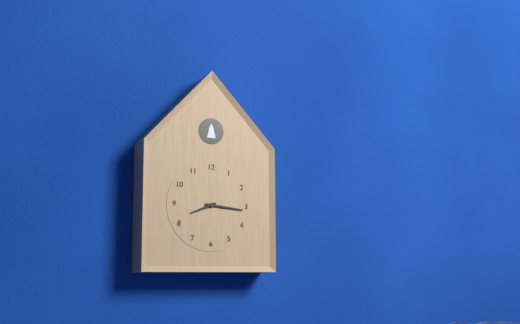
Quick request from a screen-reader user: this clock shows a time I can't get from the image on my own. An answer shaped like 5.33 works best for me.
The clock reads 8.16
